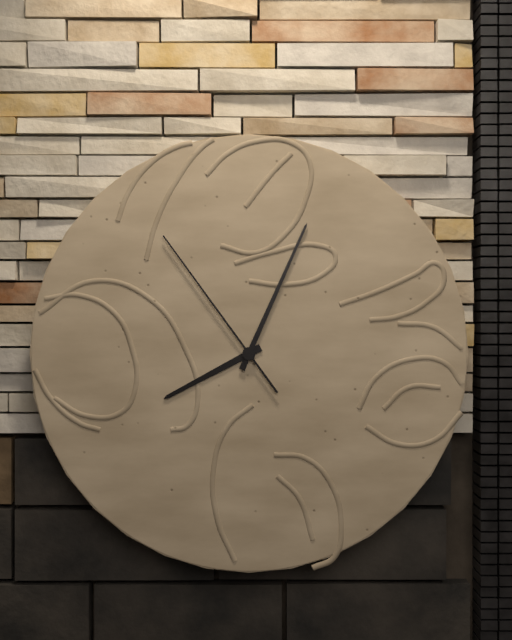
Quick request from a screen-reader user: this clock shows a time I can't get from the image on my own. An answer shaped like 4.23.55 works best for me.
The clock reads 8.04.54
